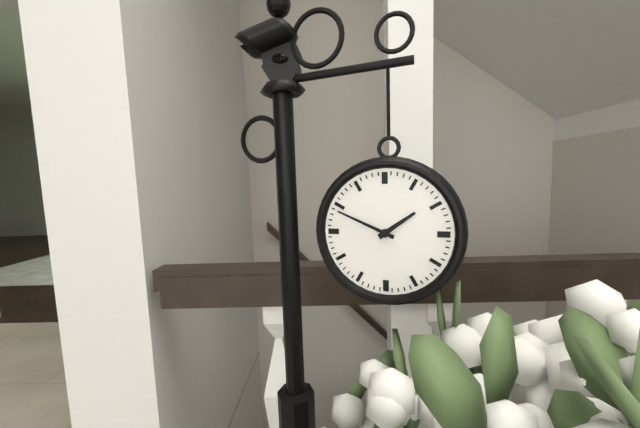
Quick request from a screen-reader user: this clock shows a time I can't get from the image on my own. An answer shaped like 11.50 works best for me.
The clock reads 1.49
